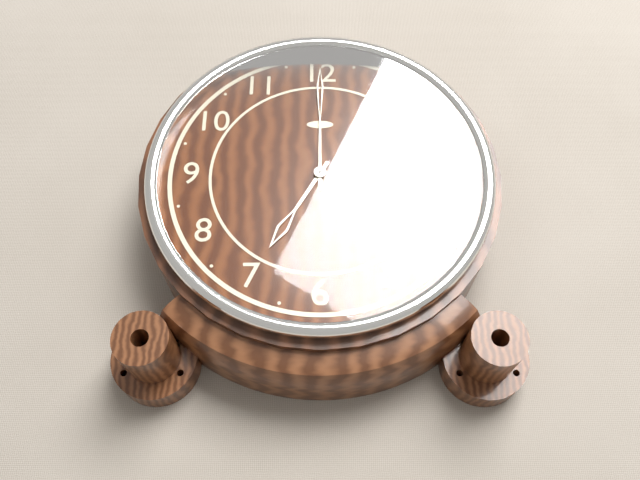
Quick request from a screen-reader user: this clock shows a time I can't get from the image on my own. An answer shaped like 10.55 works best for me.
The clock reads 7.00
